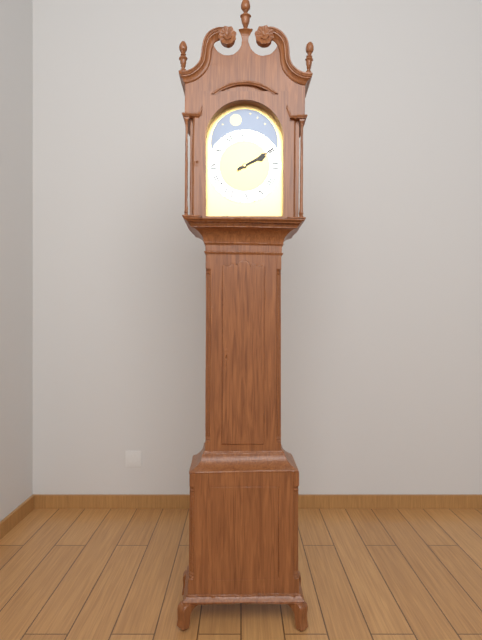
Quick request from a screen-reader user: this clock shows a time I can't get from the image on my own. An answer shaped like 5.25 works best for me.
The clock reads 2.10
